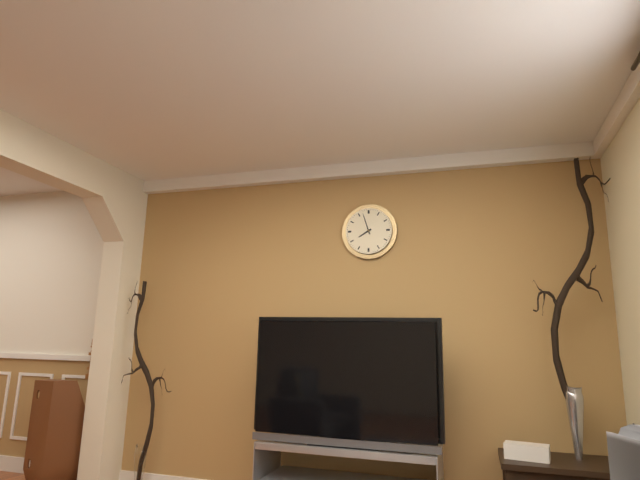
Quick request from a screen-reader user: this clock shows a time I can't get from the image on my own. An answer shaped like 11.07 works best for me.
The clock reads 7.57
